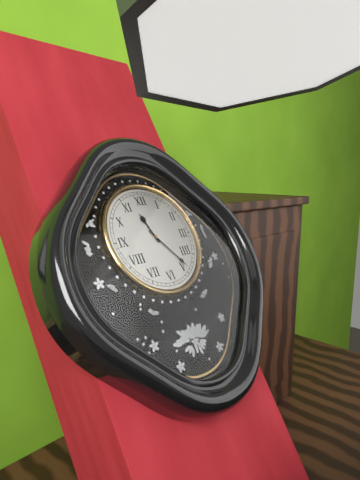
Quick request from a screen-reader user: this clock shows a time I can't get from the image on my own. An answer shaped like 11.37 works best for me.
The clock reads 11.24
